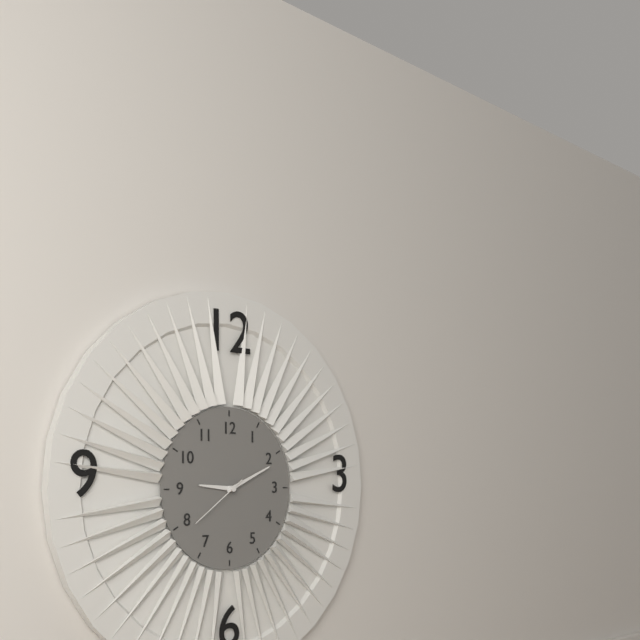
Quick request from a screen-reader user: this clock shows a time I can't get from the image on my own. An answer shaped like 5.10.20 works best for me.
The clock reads 9.11.39
